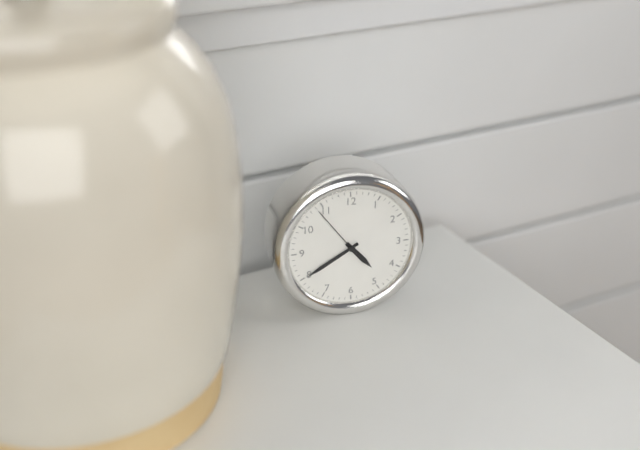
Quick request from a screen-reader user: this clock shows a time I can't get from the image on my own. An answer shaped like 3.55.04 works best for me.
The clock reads 4.40.54
